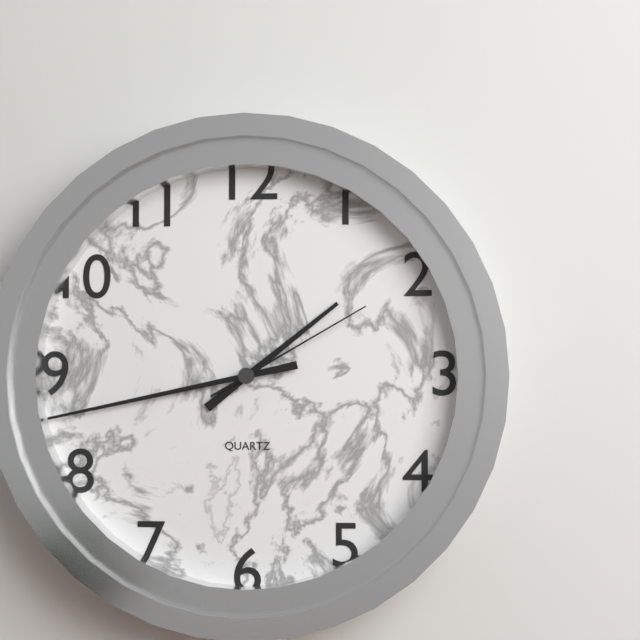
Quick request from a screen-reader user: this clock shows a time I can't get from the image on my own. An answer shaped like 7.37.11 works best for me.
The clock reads 1.43.10
